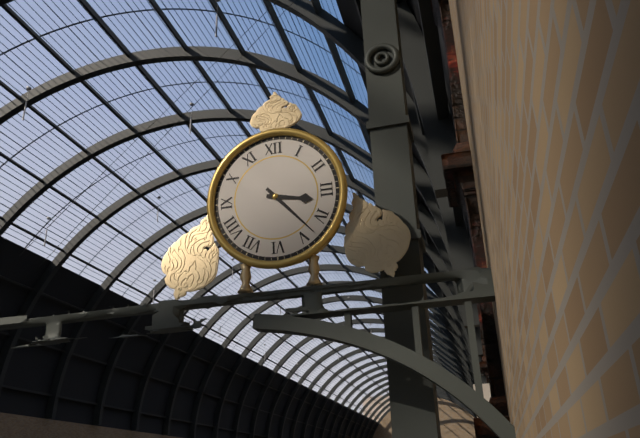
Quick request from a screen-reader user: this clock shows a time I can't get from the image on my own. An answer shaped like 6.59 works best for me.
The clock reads 3.23
